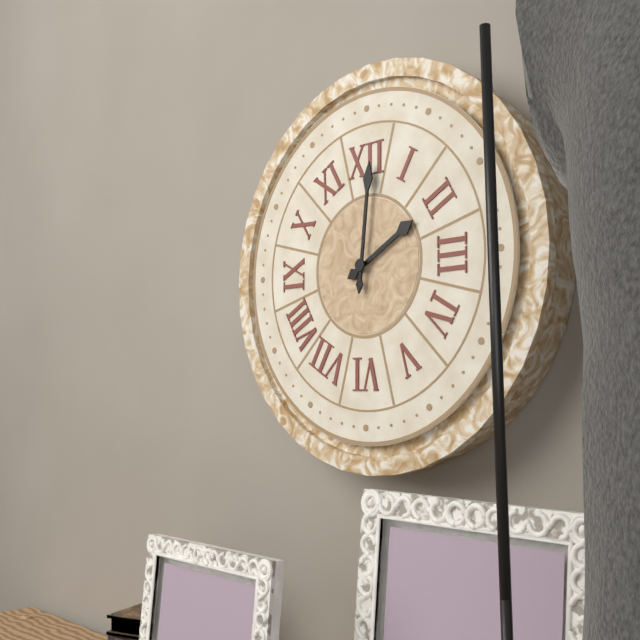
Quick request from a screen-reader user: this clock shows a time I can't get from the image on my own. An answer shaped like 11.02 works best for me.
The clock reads 2.01
